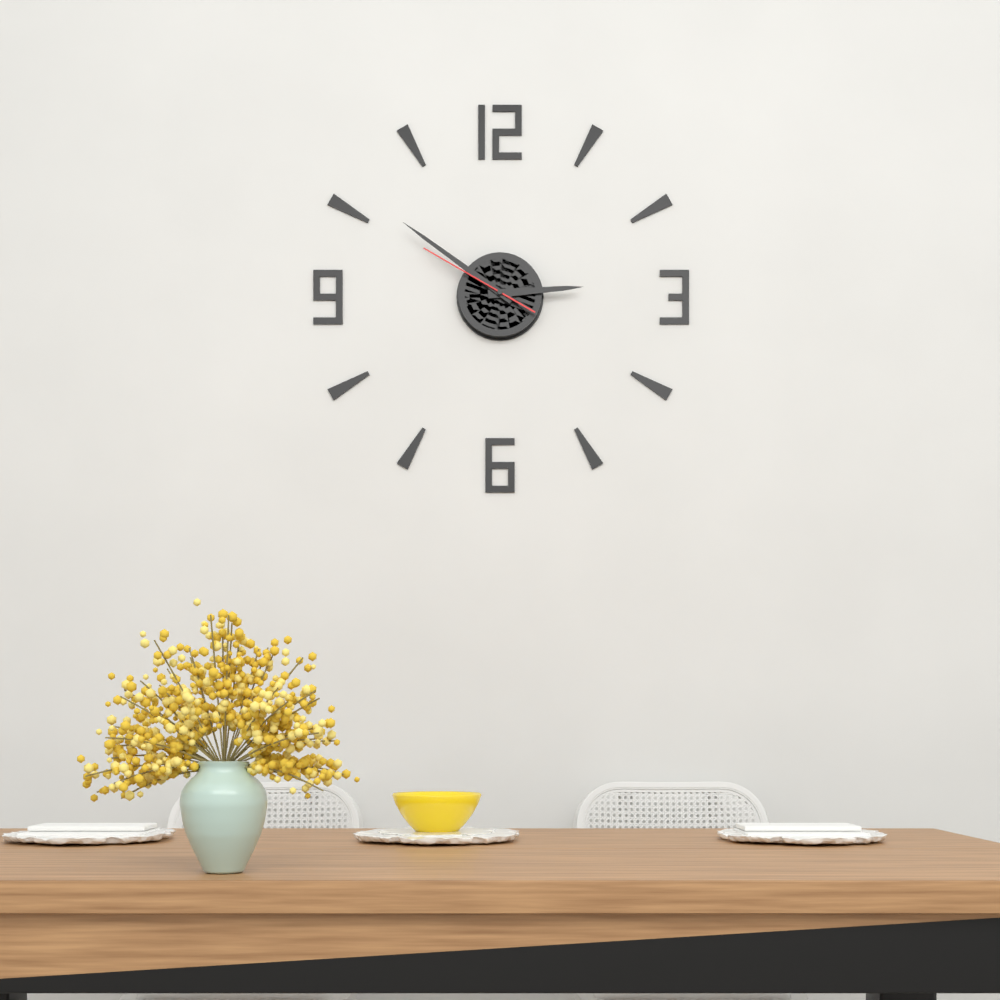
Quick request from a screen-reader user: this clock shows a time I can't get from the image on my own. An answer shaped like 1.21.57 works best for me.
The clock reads 2.51.50
